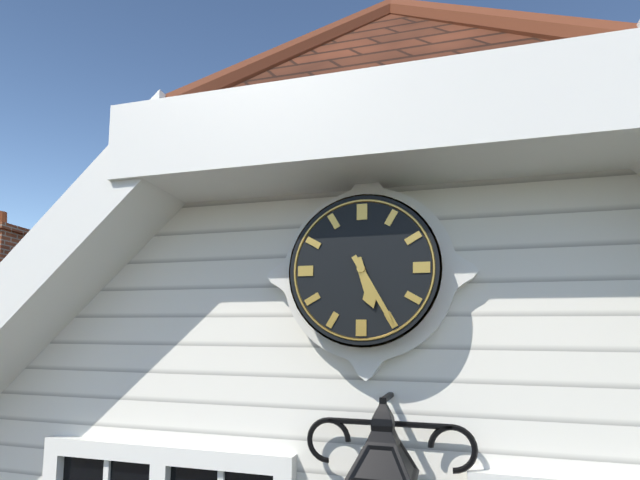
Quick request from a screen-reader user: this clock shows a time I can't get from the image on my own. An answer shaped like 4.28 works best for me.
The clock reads 5.25
